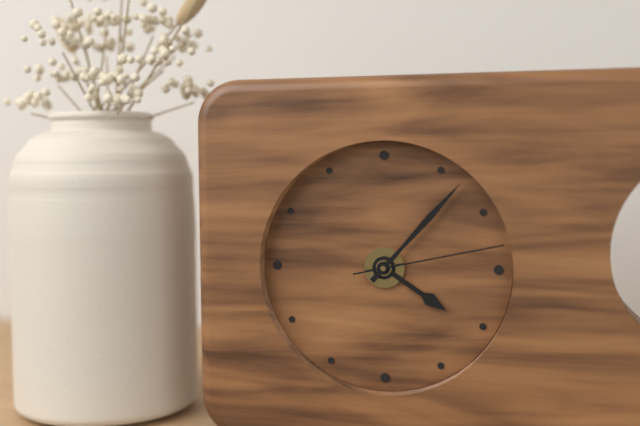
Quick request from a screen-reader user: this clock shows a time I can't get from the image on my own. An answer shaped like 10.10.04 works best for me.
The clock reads 4.07.13
